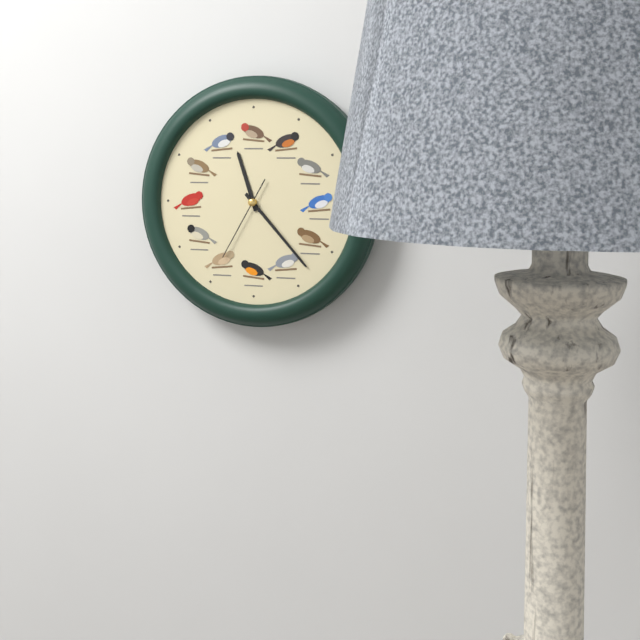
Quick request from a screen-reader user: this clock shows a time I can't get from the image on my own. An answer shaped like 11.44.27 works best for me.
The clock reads 11.23.35
